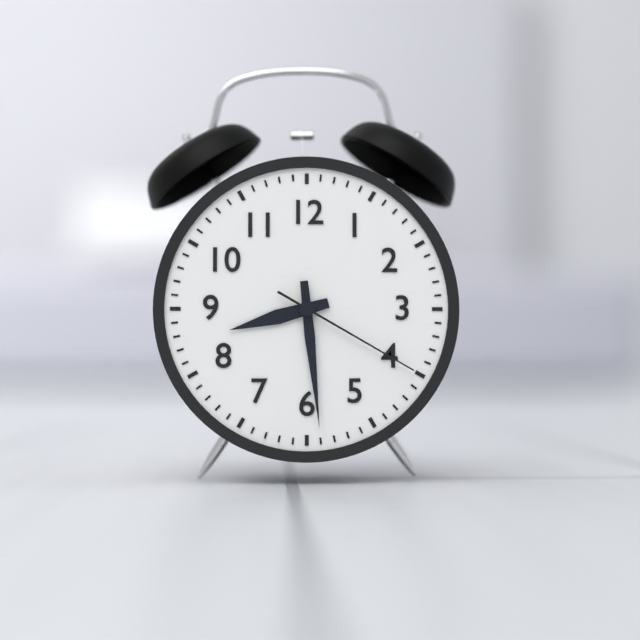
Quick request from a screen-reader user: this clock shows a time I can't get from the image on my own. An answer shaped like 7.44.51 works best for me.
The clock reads 8.29.20
